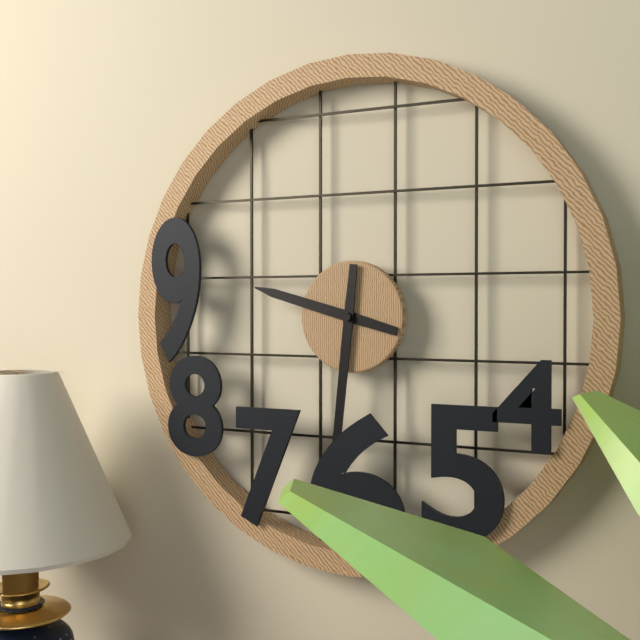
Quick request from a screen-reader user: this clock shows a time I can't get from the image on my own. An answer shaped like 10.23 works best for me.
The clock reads 9.31
